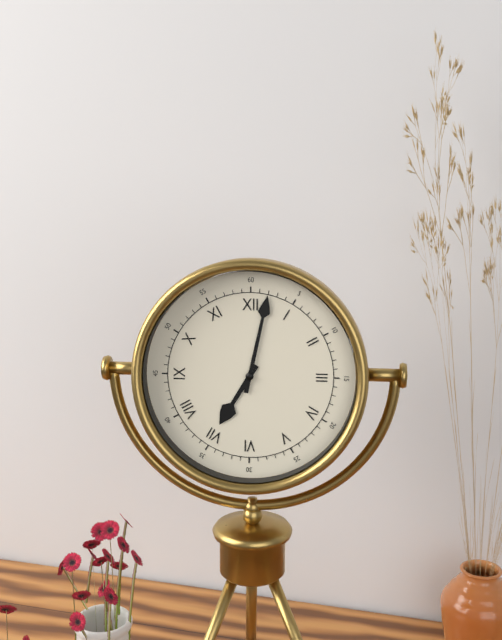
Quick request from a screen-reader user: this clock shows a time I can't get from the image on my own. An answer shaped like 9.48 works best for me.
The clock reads 7.02
